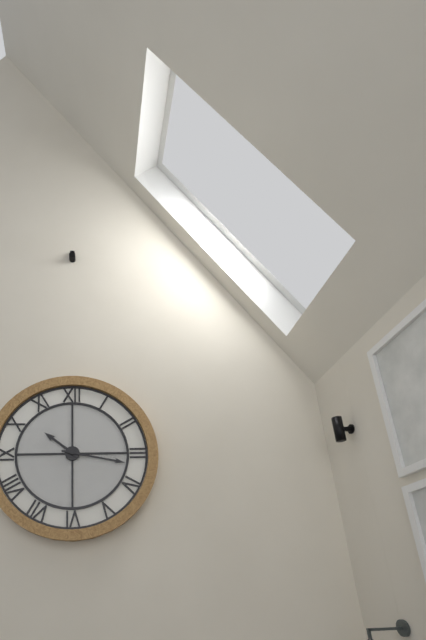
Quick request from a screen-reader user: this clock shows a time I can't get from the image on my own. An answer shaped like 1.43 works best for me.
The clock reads 10.17
